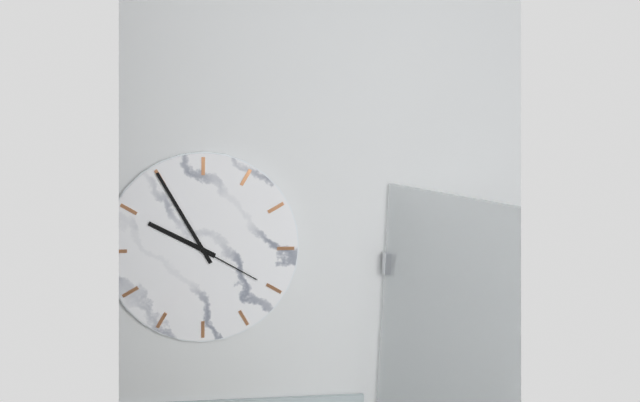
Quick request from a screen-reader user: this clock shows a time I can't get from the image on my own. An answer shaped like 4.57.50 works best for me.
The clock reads 9.55.20
